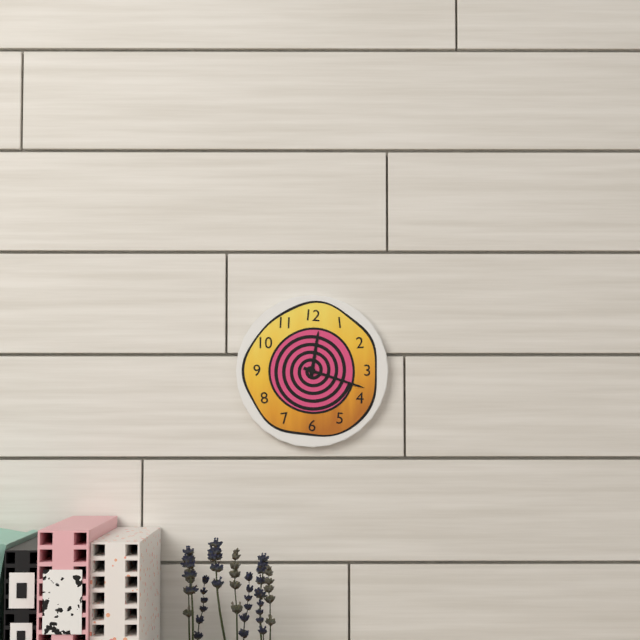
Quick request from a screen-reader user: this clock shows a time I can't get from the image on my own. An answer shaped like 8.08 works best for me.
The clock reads 12.18
